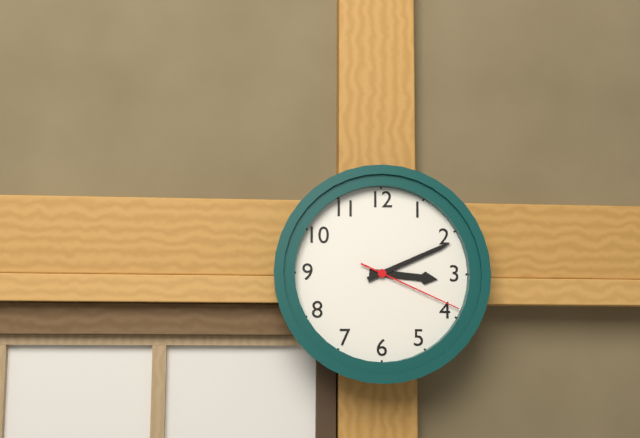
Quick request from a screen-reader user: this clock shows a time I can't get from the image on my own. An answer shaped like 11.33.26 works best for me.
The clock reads 3.11.19
